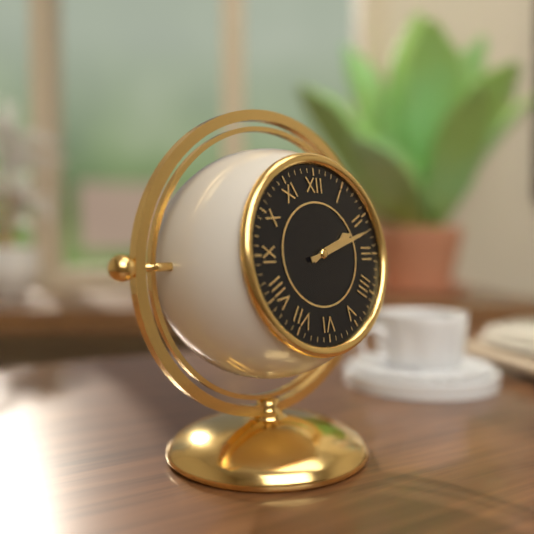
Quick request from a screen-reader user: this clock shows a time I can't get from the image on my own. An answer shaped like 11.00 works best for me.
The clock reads 2.12
